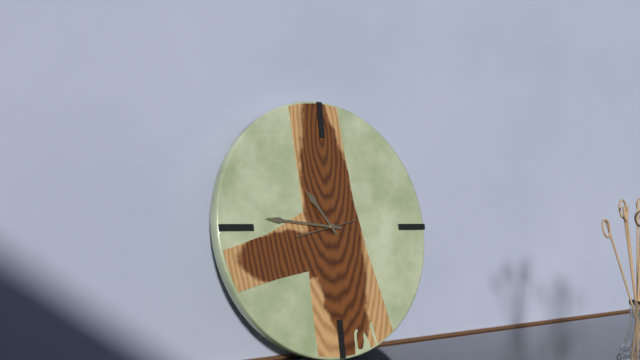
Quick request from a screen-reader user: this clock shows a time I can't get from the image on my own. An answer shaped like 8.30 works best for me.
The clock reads 10.46
